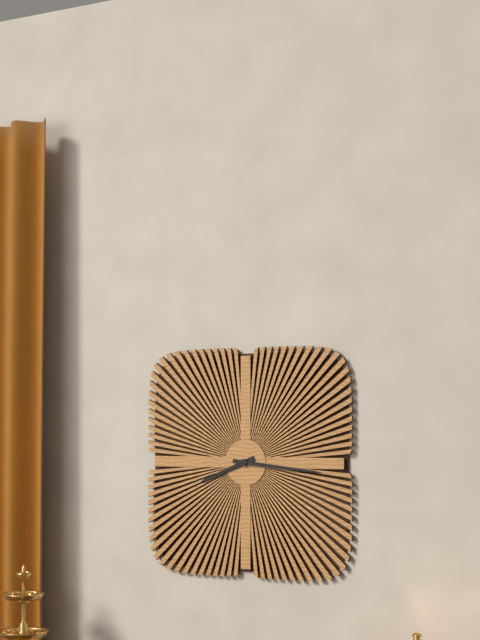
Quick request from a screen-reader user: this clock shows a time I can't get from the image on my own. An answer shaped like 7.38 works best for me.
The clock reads 8.16
